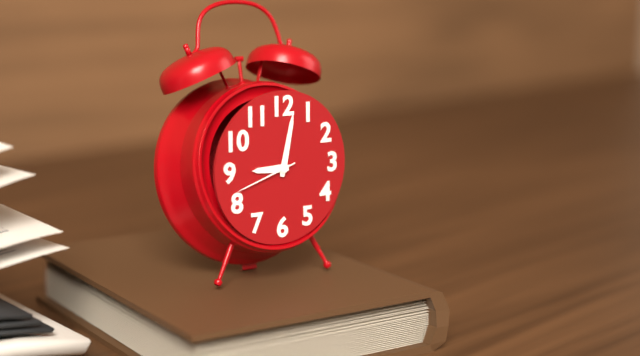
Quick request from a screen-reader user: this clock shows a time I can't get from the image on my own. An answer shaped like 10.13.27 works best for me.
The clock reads 9.02.42
